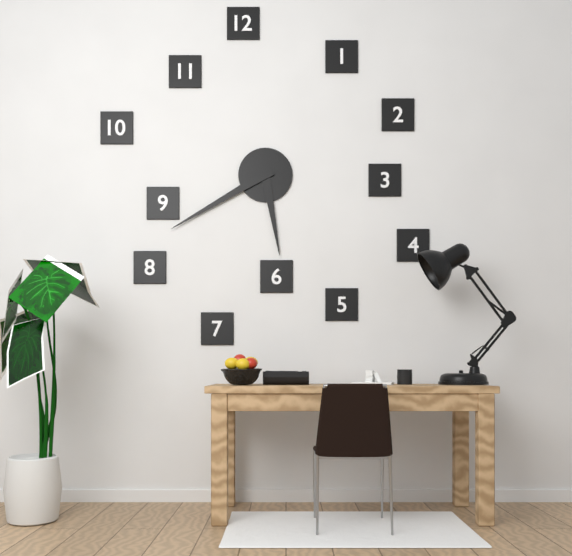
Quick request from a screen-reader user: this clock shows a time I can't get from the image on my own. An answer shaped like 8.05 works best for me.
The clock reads 5.40
